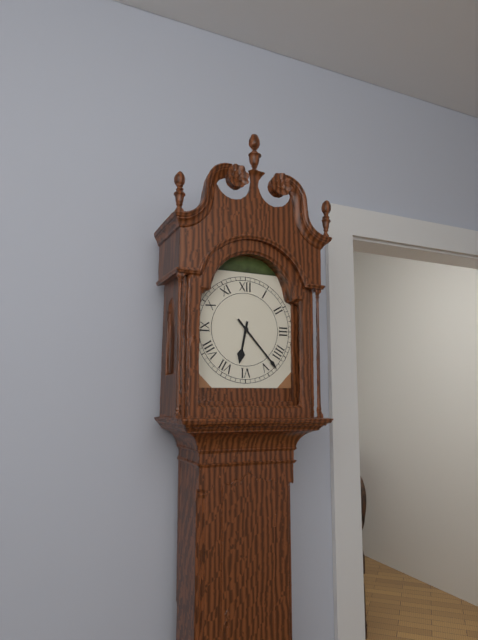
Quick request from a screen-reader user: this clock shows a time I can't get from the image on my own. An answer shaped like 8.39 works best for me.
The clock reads 6.23
